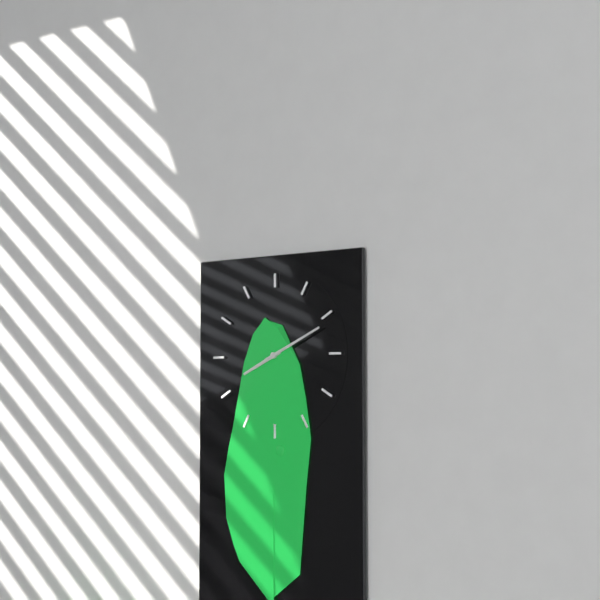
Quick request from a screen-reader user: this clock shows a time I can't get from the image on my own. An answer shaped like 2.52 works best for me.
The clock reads 8.11
